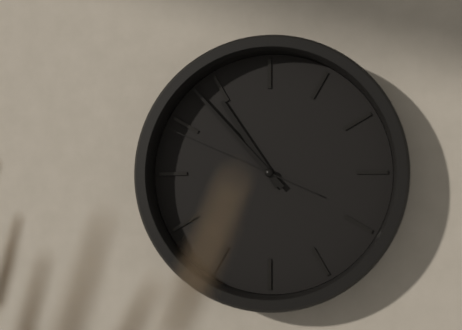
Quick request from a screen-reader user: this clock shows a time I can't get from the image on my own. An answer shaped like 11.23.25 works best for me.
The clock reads 10.53.49
